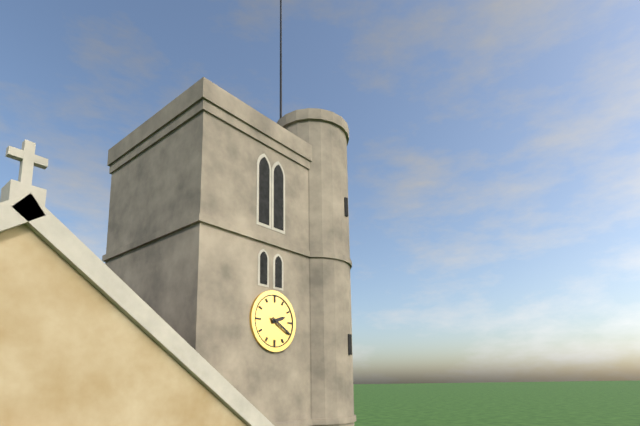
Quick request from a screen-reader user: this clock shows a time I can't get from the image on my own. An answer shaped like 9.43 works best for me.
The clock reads 2.20
